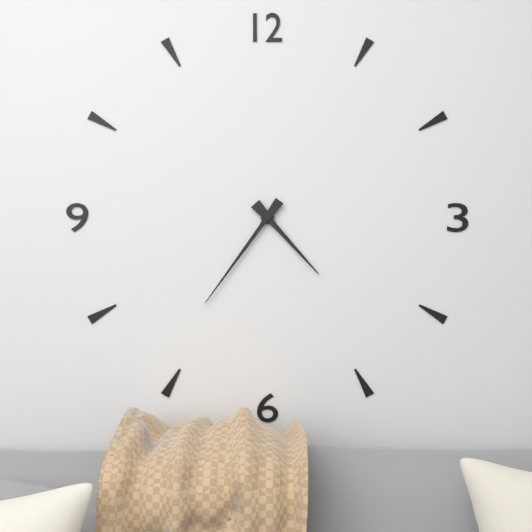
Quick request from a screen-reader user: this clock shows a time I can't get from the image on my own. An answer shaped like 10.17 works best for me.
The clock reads 4.36
